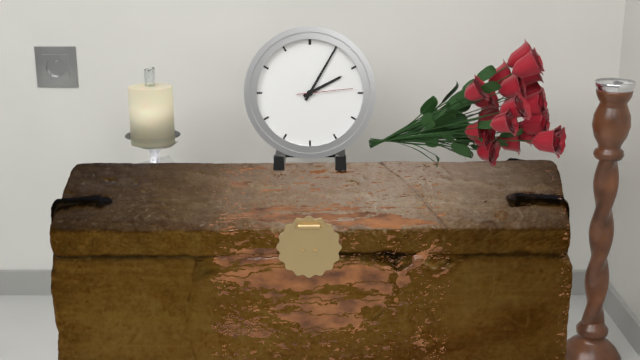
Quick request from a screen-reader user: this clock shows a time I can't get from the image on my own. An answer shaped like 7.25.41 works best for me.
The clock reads 2.05.14
